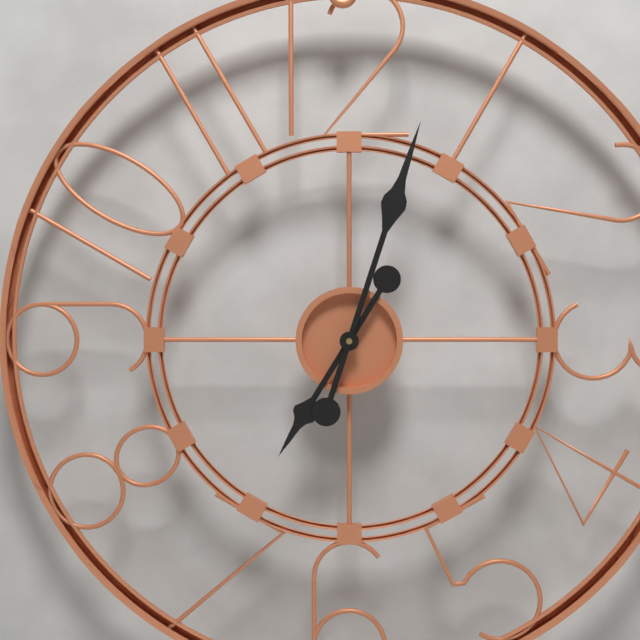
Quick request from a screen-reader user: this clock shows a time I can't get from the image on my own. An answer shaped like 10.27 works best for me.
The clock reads 7.03
